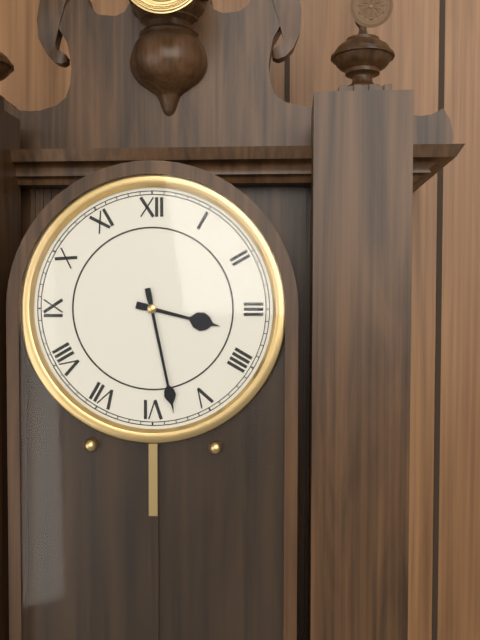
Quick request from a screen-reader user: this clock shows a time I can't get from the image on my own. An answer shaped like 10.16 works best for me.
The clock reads 3.28
